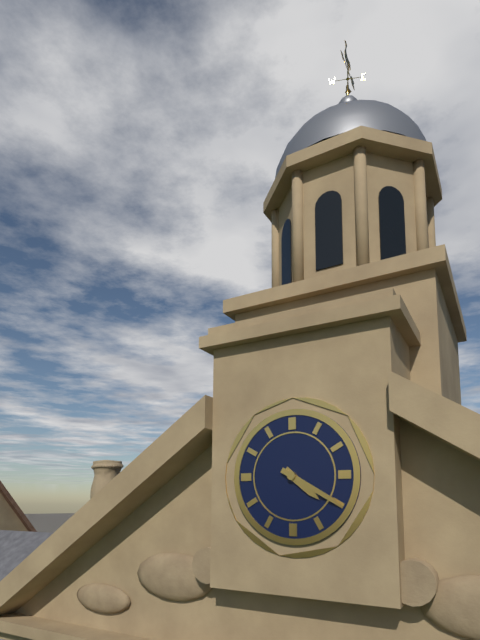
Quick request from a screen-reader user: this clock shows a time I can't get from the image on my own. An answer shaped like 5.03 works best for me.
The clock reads 4.20
